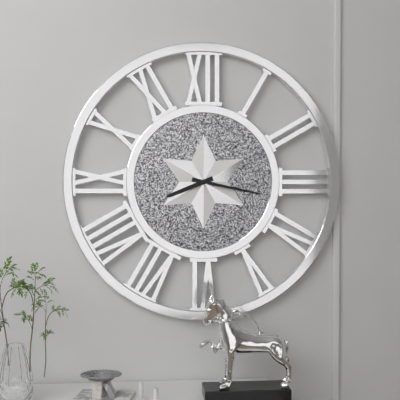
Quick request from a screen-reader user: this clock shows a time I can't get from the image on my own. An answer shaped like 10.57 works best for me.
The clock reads 8.17
